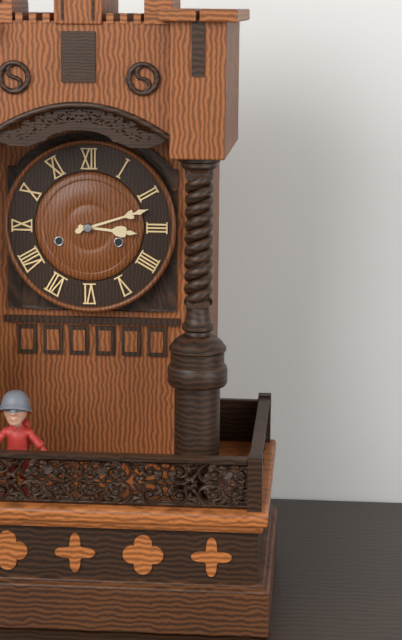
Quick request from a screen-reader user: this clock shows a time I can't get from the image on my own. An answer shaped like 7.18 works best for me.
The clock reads 3.12
